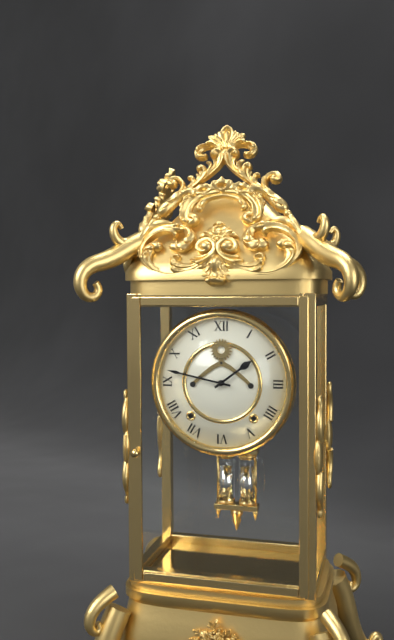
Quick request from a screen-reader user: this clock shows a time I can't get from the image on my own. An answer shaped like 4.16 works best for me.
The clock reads 1.47
